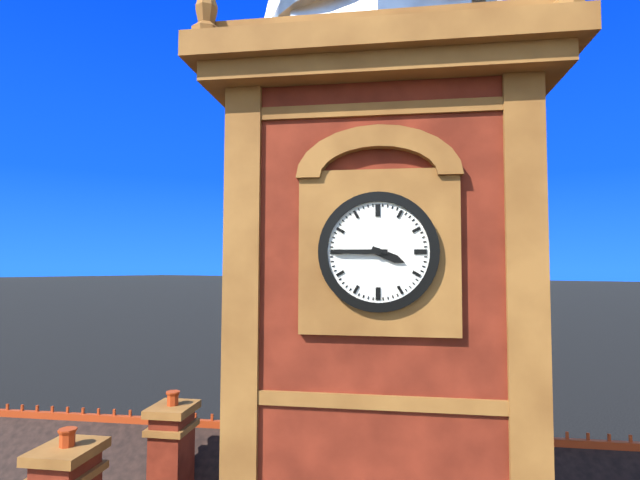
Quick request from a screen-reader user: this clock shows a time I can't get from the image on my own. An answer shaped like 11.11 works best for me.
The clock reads 3.45
